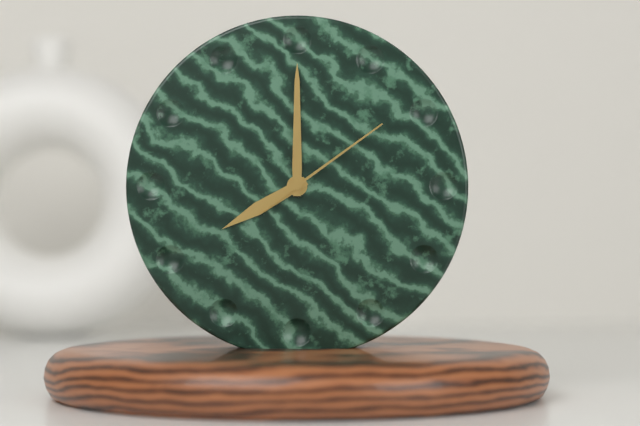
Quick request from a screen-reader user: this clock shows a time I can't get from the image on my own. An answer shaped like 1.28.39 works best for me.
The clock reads 8.00.09
